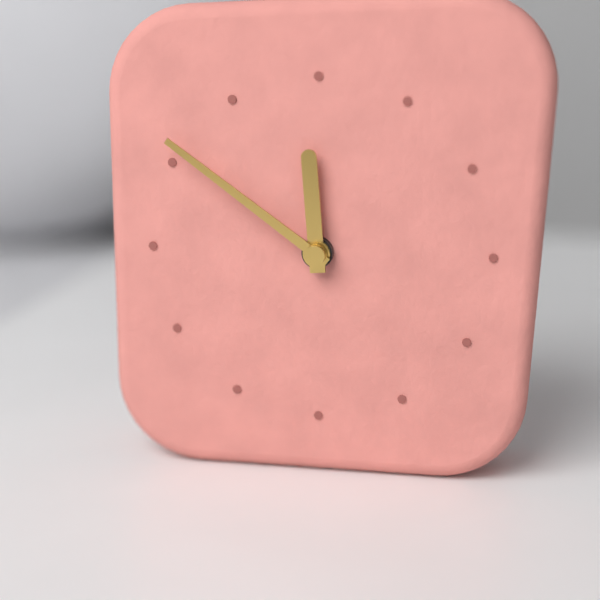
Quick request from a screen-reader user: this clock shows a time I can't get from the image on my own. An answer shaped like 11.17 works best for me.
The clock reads 11.51
